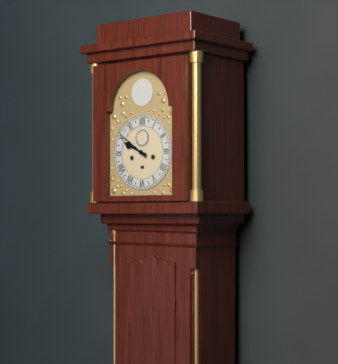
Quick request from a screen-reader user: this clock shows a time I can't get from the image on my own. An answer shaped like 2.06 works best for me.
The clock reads 9.51
